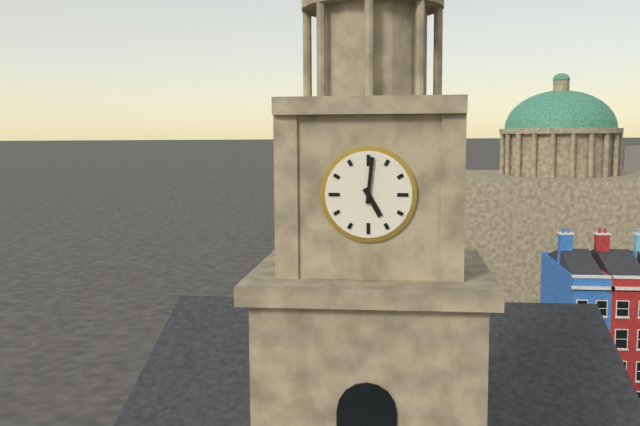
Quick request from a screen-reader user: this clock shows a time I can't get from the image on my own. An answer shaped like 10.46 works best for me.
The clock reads 5.01
